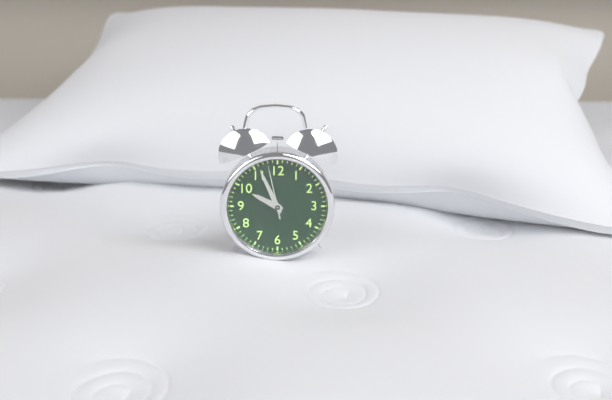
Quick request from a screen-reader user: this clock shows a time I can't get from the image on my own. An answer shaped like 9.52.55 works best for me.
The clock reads 9.56.58
